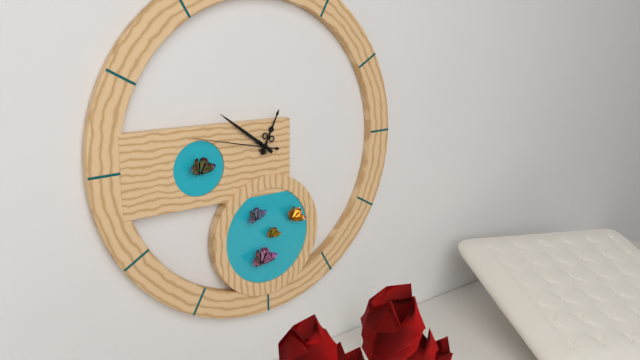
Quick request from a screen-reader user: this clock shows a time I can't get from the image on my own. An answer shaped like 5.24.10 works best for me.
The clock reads 12.51.47
